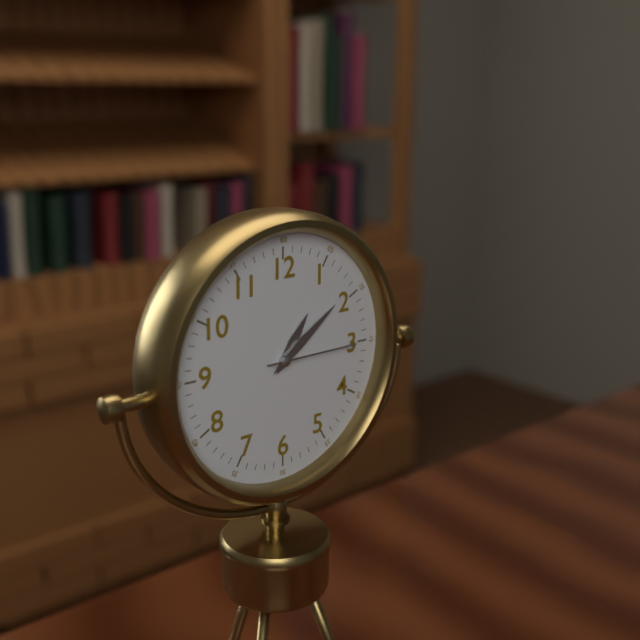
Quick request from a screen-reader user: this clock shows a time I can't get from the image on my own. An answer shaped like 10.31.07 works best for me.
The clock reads 1.09.15
